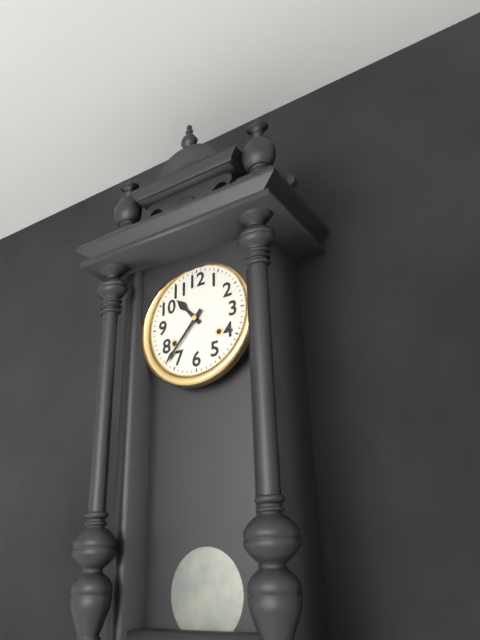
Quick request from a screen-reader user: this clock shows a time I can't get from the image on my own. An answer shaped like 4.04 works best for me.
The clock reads 10.37
